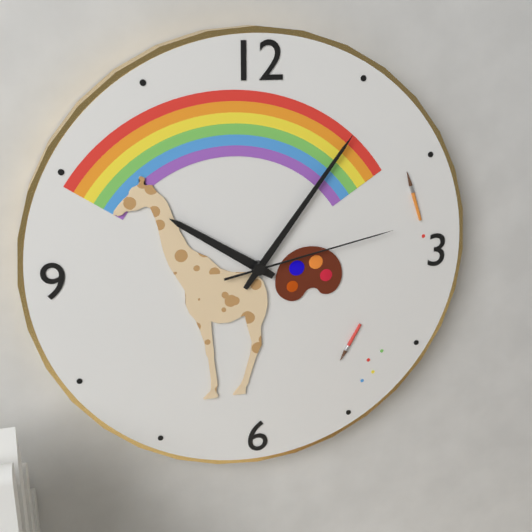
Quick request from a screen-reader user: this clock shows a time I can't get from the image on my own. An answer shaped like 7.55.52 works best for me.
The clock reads 10.06.13
